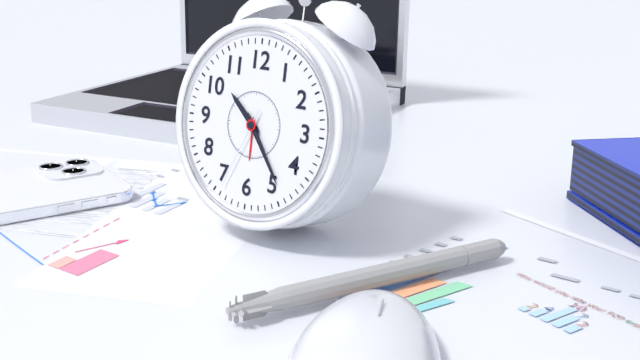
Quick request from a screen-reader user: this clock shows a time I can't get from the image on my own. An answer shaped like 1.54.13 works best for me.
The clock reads 10.24.34
